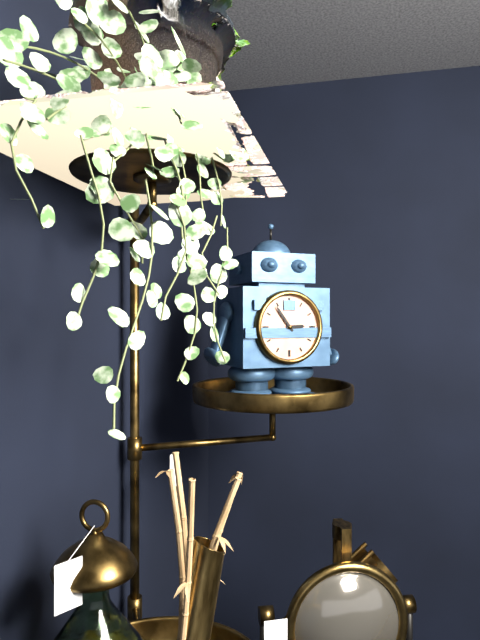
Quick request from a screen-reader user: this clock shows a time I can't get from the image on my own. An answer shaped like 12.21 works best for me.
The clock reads 2.54
